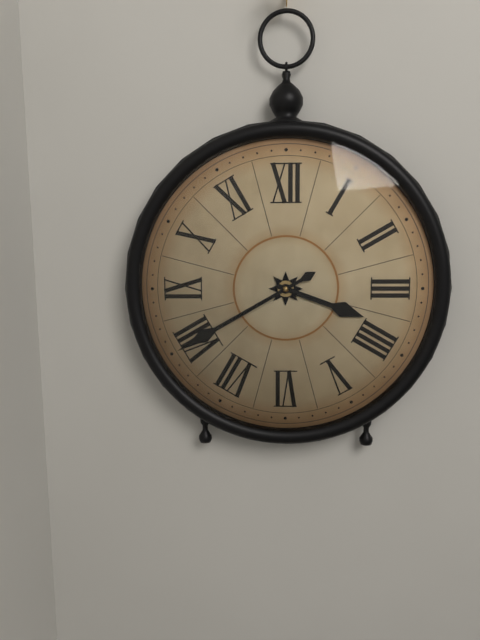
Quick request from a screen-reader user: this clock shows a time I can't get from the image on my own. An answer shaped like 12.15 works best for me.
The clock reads 3.40
